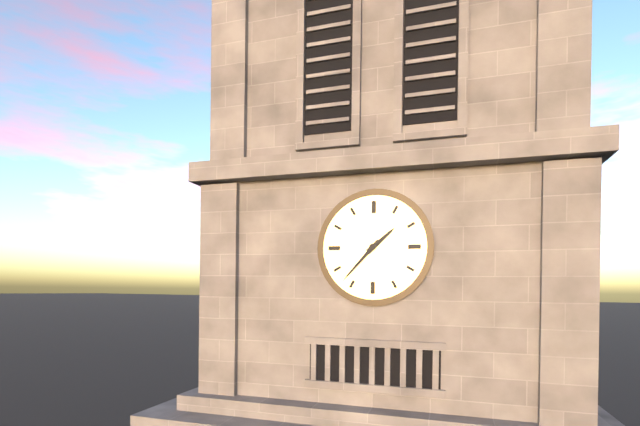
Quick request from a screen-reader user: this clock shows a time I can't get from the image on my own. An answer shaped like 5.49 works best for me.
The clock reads 1.37
